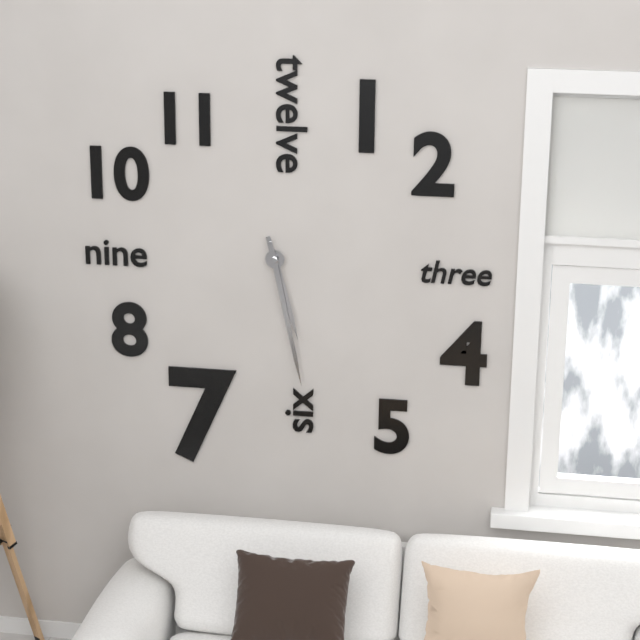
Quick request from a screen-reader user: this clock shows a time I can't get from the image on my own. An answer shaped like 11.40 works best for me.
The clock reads 5.28
